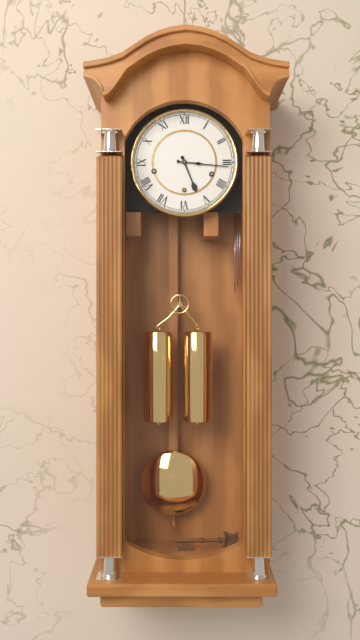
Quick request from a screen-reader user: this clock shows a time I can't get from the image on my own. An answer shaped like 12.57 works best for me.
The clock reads 5.16
